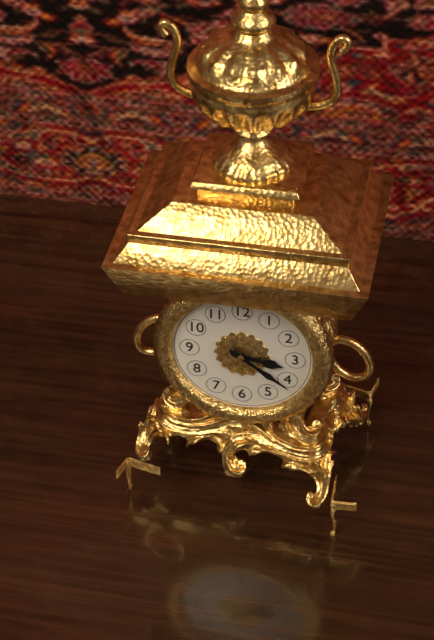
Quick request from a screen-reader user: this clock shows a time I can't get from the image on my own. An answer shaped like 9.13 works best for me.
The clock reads 3.21
